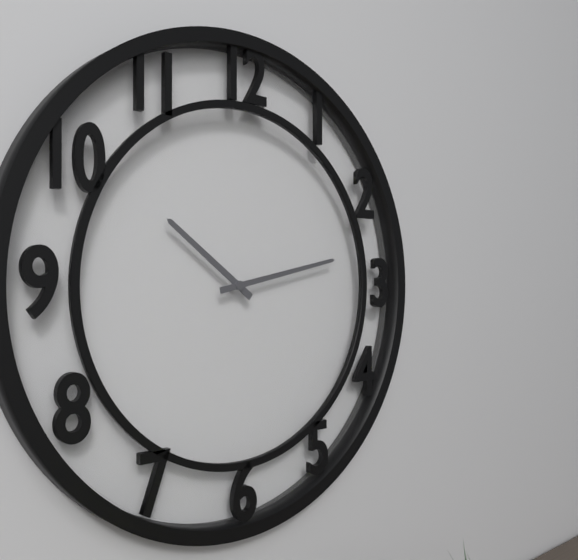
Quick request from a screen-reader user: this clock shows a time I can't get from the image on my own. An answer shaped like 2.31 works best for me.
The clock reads 10.13
